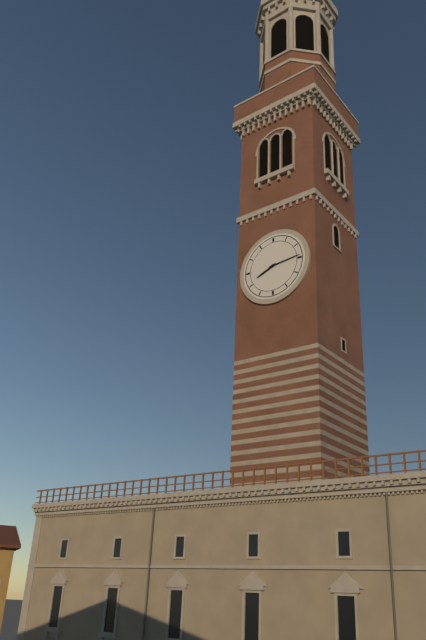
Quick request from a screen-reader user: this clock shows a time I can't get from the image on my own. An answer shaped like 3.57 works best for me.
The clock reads 8.14
